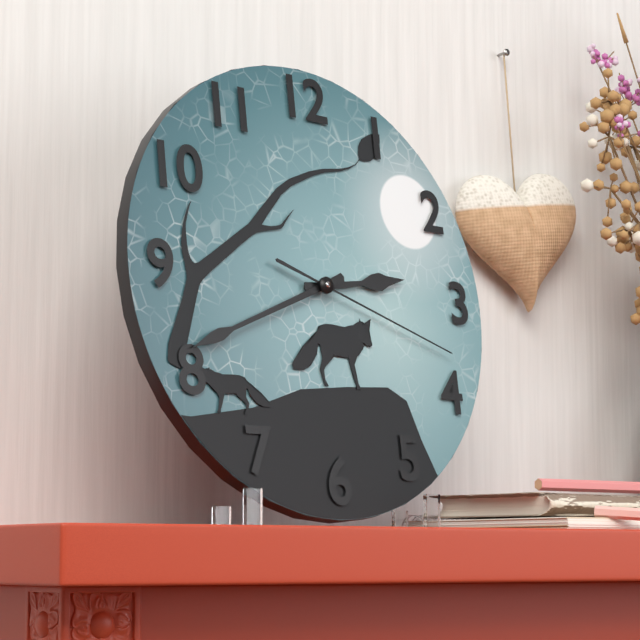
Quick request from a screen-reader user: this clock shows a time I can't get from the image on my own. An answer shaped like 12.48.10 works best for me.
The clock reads 2.41.18
